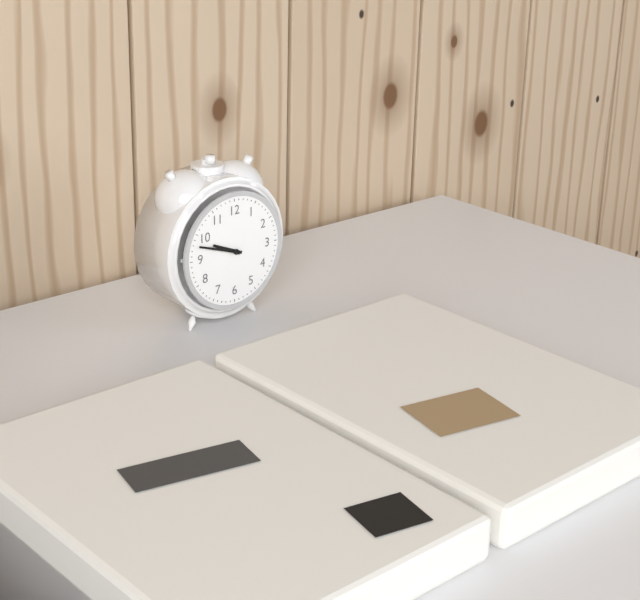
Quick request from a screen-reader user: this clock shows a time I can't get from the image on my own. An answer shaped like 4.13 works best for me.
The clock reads 9.48
